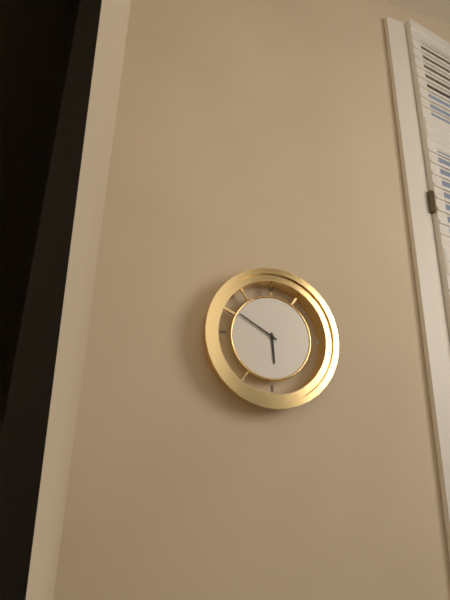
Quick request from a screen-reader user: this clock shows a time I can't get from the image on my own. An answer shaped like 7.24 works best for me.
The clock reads 5.50
